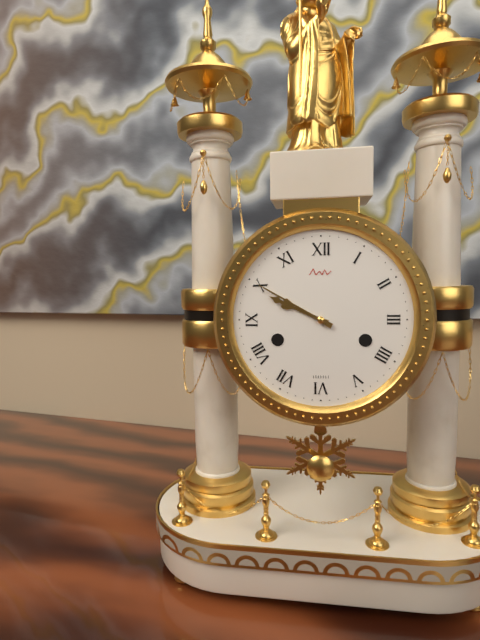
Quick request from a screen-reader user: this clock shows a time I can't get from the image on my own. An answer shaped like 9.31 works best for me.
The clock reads 9.50
